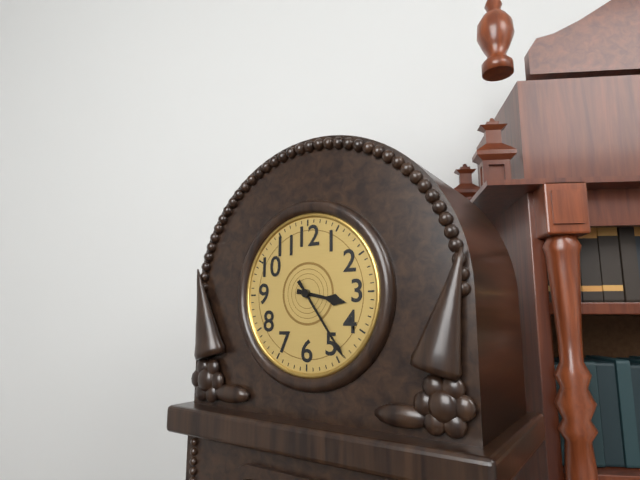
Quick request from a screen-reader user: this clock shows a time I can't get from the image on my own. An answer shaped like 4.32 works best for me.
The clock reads 3.24
